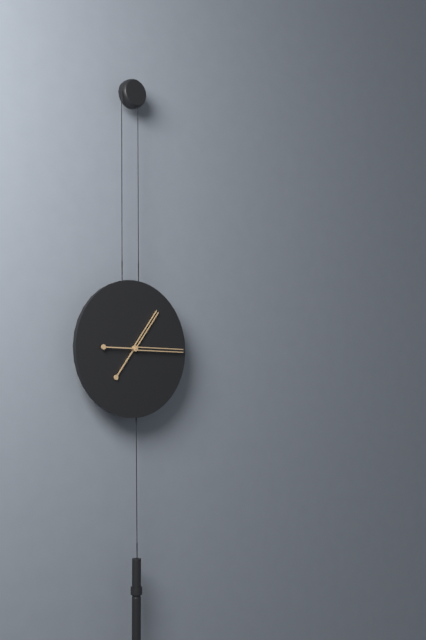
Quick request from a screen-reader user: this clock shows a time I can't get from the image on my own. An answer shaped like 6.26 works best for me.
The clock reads 1.15
